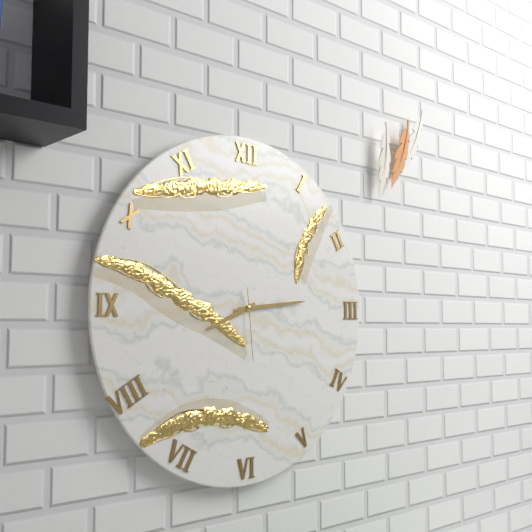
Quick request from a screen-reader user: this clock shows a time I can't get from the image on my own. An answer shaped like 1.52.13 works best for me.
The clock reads 8.14.29
